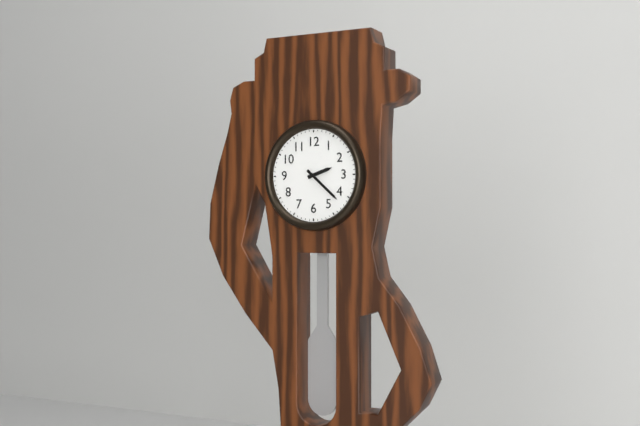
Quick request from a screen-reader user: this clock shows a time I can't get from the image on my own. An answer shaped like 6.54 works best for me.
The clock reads 2.22
